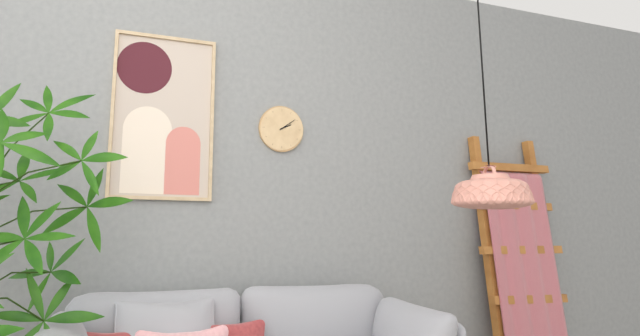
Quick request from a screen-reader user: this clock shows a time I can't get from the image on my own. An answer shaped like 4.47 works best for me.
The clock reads 2.09
